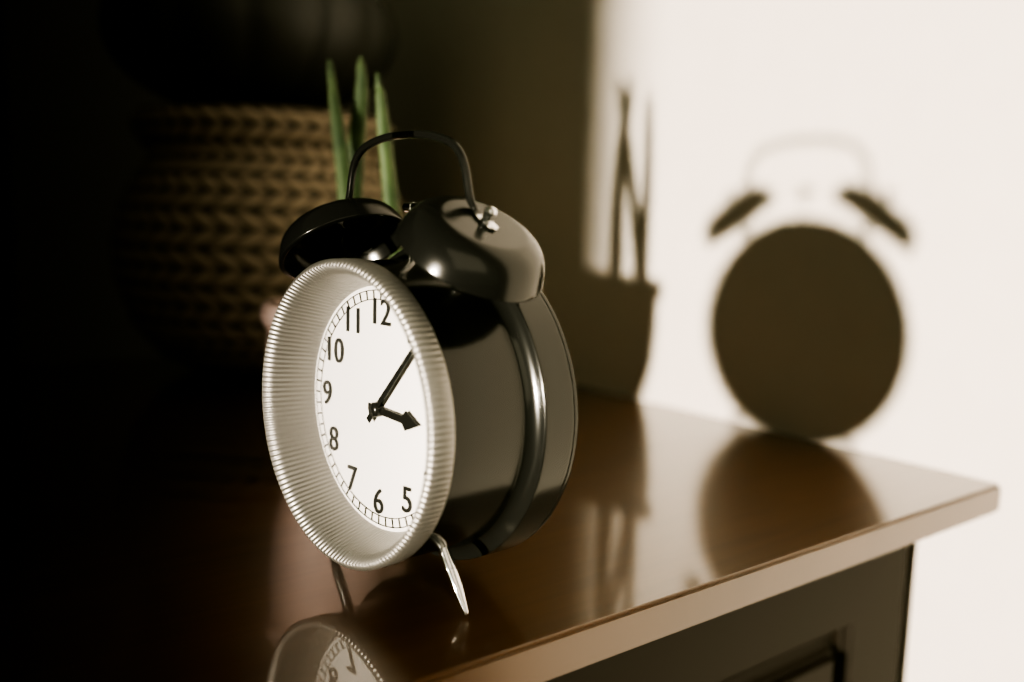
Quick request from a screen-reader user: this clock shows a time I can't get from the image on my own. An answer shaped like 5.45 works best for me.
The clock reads 3.07
